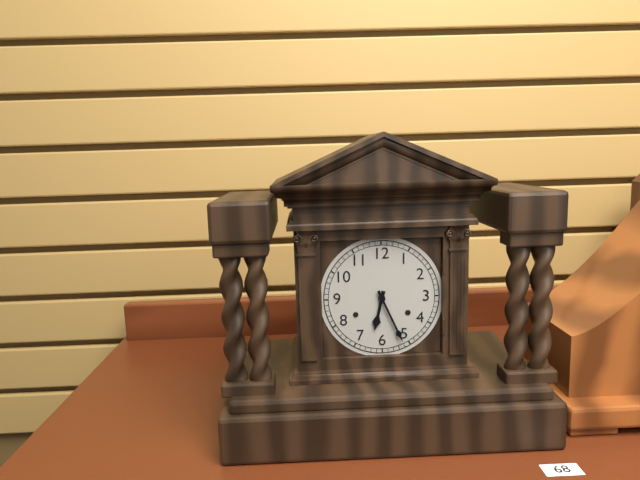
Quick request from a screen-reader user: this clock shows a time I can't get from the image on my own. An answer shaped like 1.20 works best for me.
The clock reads 6.26
